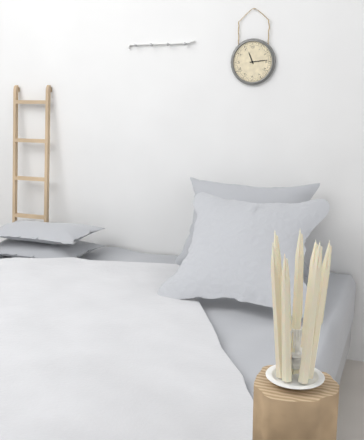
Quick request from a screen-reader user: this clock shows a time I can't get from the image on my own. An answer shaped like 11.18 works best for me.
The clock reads 11.14
